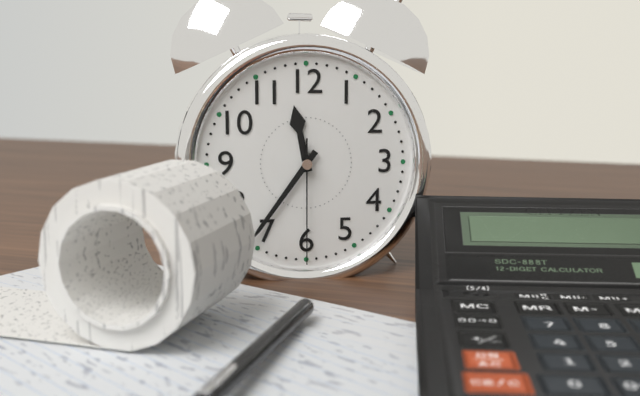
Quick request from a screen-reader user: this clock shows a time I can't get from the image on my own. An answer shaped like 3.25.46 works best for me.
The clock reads 11.36.30
